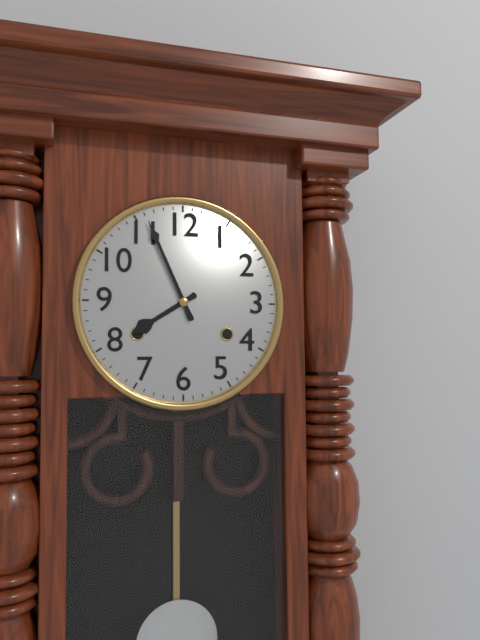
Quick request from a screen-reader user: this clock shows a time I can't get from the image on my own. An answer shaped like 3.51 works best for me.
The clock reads 7.56
